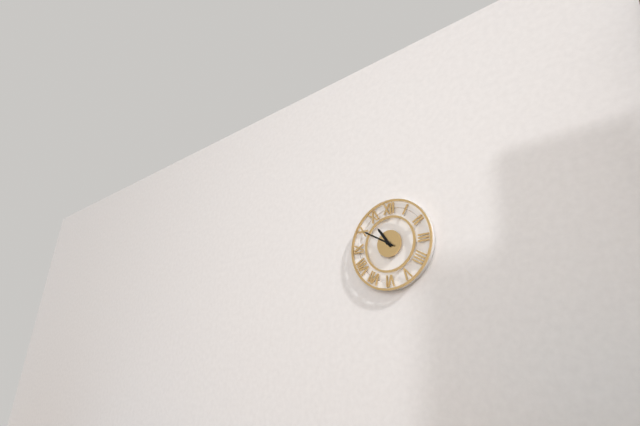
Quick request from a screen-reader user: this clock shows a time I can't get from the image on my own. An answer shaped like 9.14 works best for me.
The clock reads 10.50
